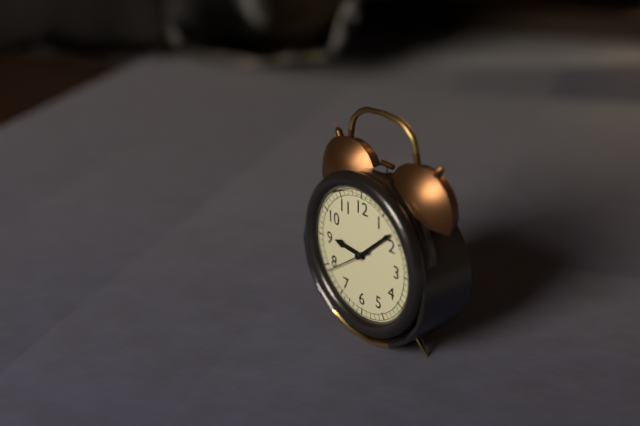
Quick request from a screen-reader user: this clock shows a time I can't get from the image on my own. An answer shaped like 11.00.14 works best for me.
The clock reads 9.08.39
